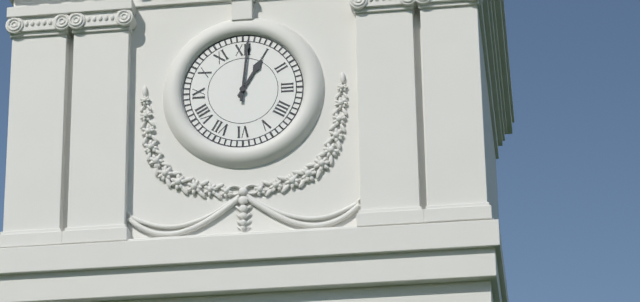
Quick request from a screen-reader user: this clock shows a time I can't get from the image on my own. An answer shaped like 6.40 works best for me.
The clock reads 1.01
